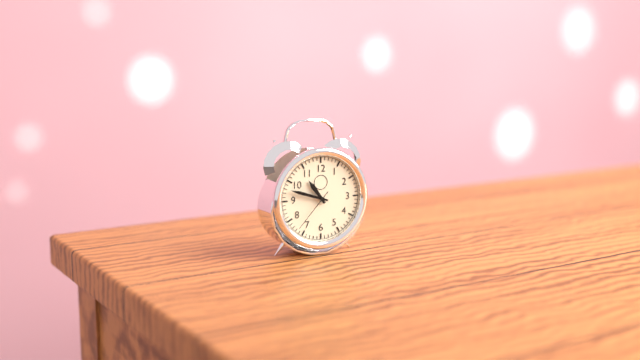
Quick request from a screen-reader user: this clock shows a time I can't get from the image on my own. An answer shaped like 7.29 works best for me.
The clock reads 10.48
